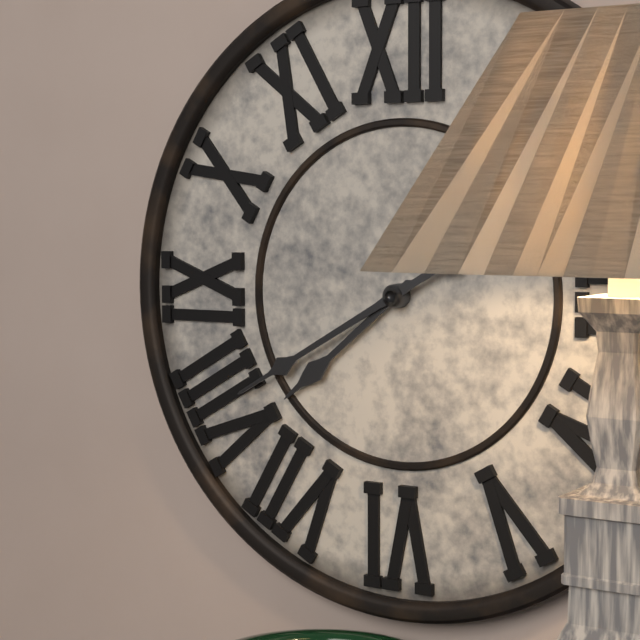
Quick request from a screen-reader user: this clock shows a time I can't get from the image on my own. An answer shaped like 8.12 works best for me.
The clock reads 7.40
